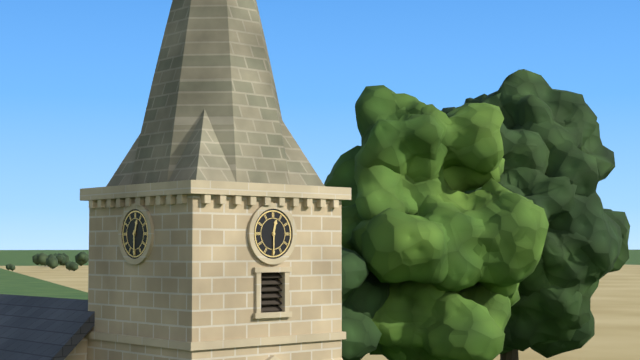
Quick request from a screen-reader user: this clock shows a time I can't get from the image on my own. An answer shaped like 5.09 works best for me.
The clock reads 12.30
